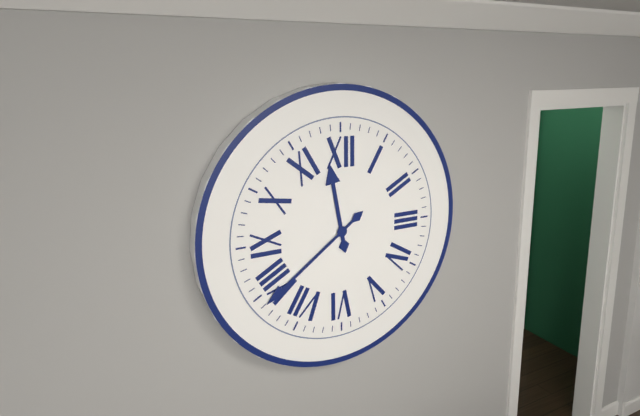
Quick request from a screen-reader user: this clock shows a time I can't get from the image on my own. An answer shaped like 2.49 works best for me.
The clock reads 11.39
